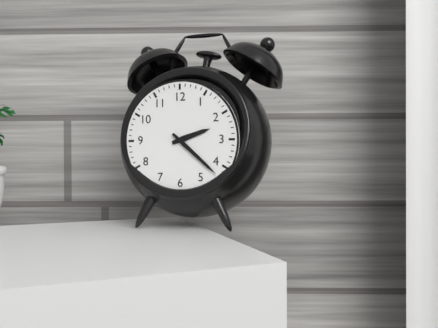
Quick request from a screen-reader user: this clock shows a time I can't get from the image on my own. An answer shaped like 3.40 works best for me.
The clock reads 2.22
